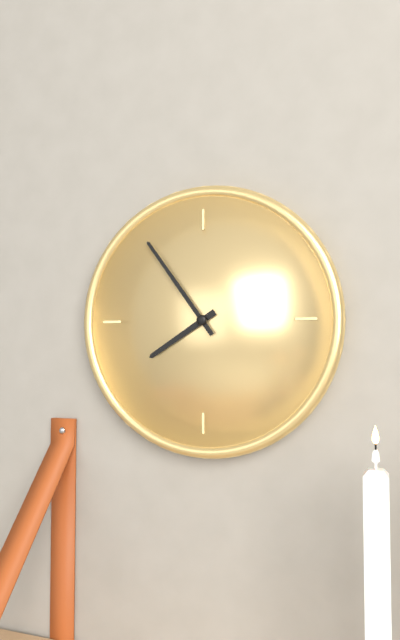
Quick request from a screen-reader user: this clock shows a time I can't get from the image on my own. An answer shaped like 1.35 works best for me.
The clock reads 7.54
